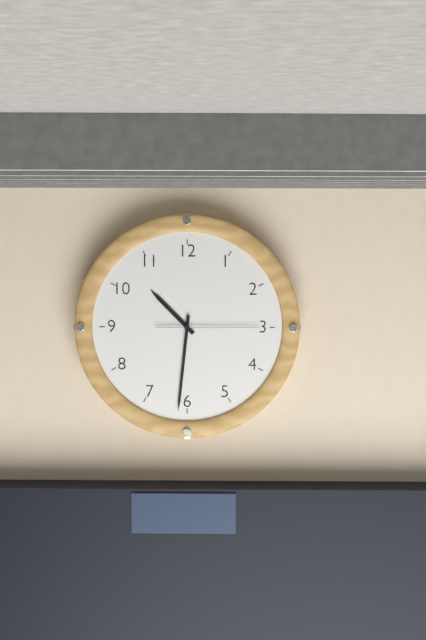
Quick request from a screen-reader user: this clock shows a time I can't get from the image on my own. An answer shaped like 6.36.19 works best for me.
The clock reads 10.31.15
